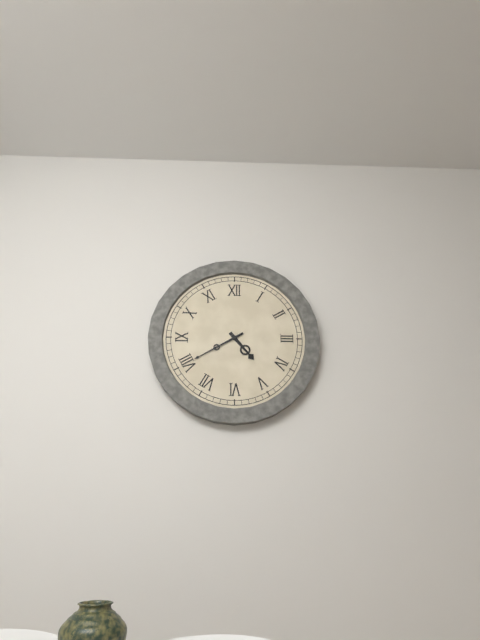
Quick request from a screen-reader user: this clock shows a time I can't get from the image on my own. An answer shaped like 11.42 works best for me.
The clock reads 4.40
